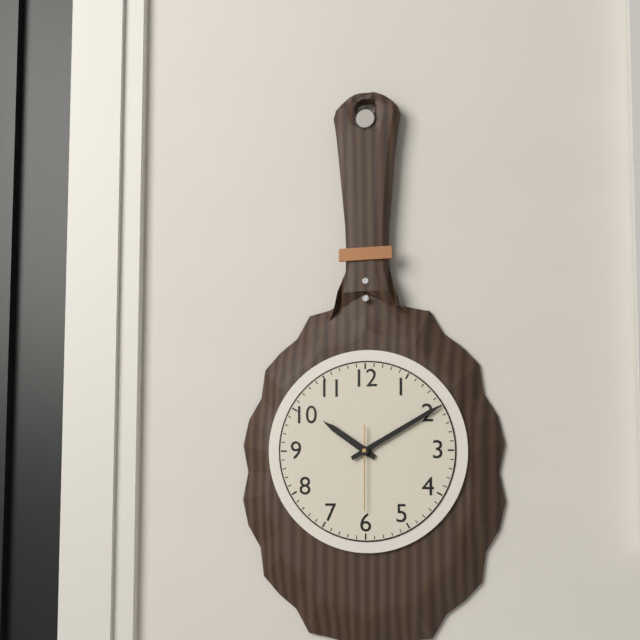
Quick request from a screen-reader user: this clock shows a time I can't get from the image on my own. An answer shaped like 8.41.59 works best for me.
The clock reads 10.10.30
